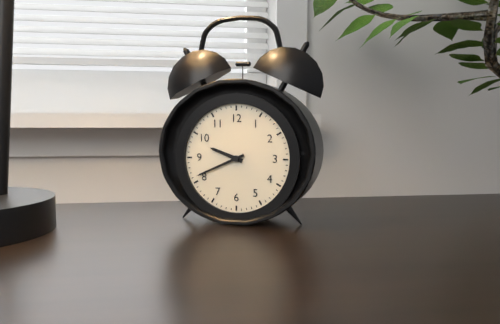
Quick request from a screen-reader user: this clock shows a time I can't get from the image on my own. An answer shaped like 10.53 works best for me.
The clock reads 9.41
